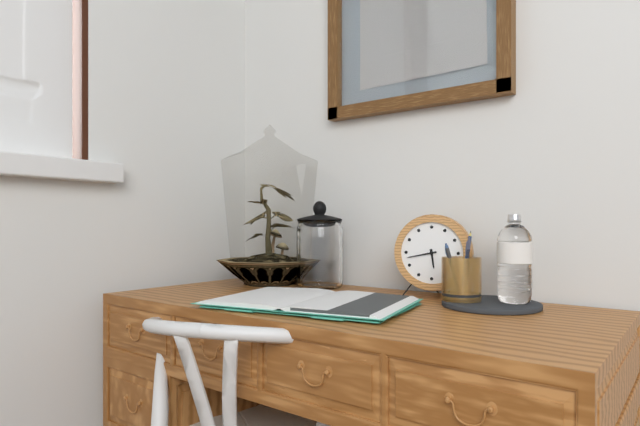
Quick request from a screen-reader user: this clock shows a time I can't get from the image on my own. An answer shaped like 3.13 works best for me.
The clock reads 5.43
